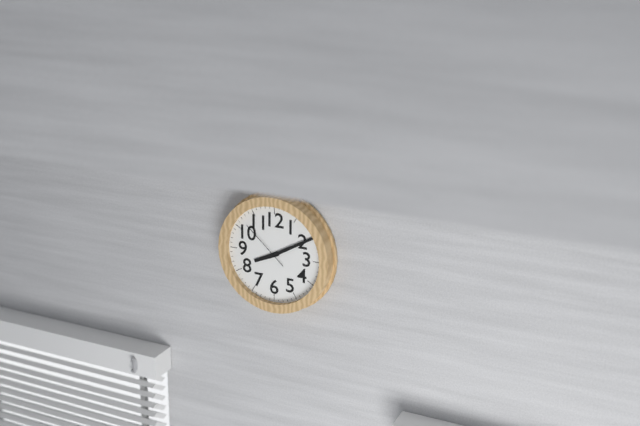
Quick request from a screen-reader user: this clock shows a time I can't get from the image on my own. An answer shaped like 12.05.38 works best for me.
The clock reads 8.10.52
